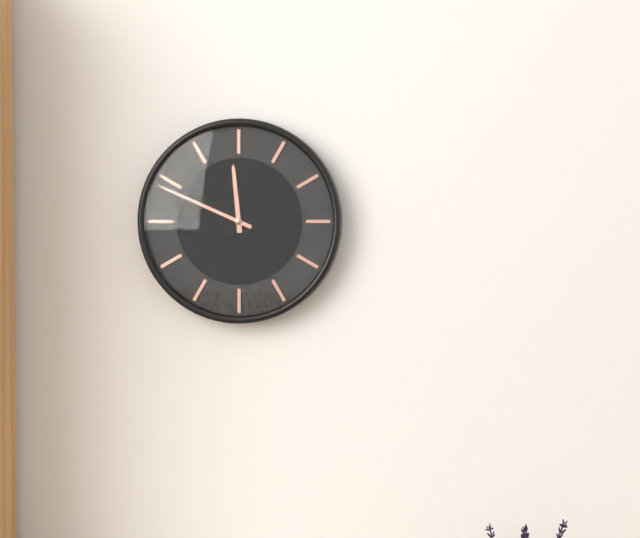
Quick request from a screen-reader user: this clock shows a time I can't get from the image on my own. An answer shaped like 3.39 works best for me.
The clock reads 11.49
